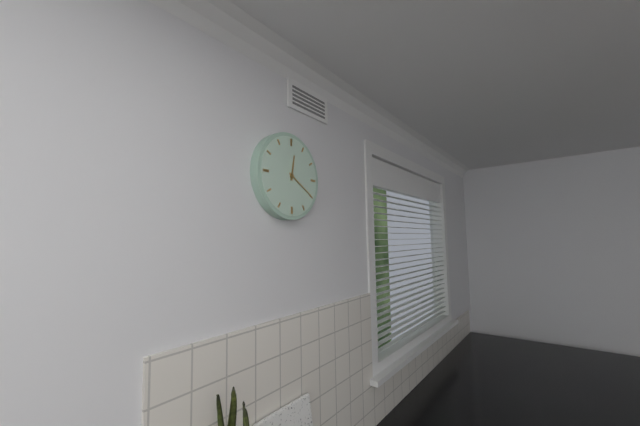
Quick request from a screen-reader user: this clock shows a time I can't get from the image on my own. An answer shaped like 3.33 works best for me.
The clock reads 12.20
